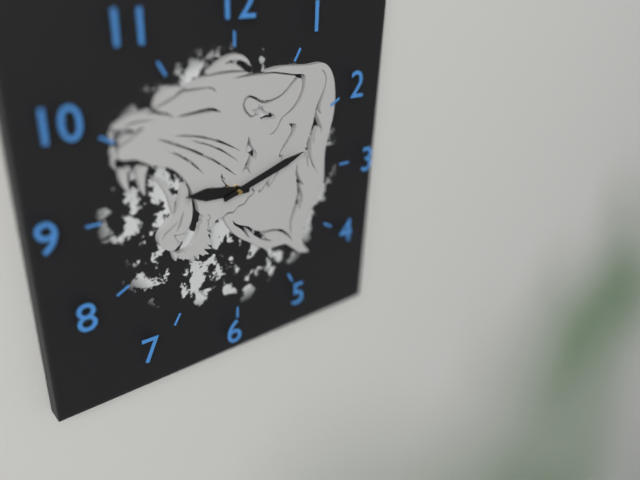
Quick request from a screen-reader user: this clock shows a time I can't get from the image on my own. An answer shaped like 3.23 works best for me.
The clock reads 9.12
